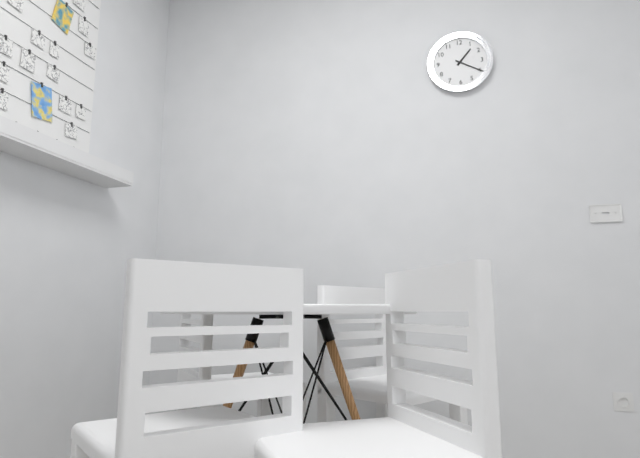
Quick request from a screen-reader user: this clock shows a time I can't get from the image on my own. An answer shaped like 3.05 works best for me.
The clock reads 1.20
